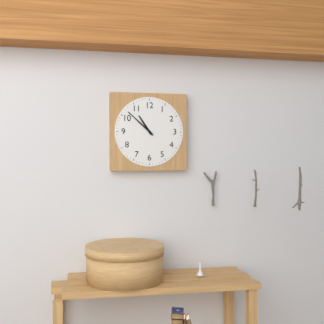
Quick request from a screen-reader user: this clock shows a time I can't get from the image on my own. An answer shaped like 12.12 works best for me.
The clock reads 10.52
